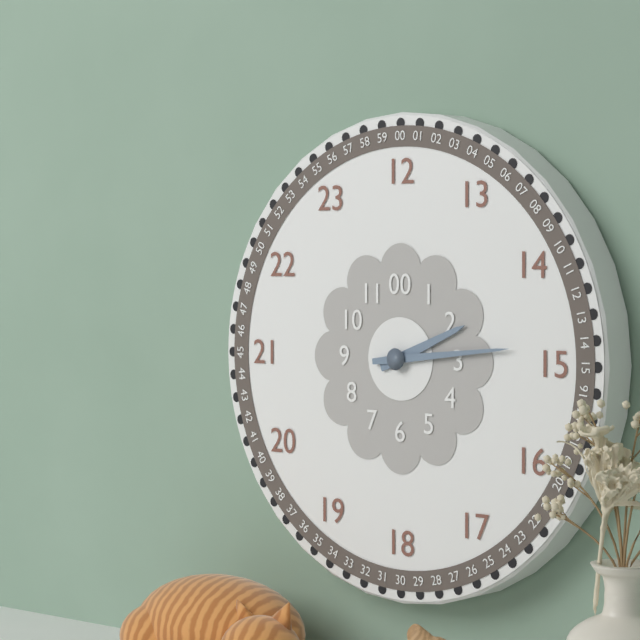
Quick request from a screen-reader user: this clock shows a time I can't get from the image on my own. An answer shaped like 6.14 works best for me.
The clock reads 2.14
